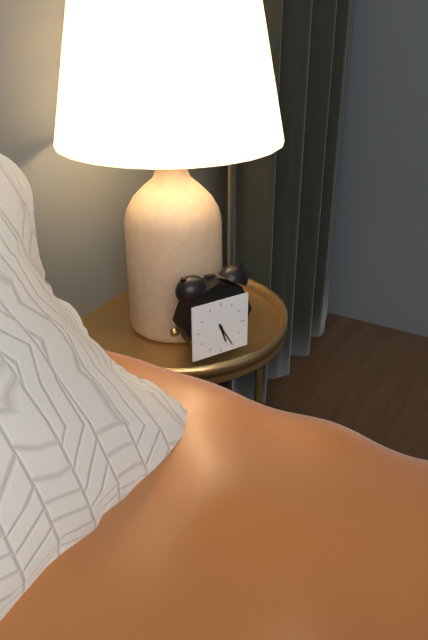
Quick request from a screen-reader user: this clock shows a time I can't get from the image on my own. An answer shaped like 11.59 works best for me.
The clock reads 5.25
